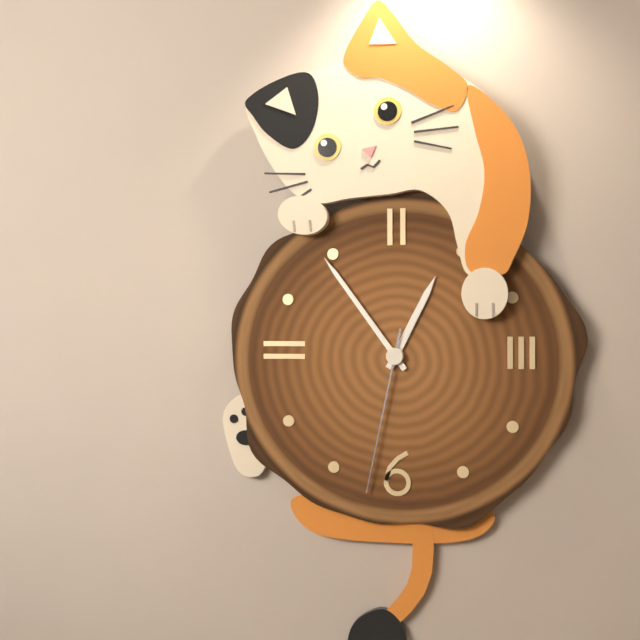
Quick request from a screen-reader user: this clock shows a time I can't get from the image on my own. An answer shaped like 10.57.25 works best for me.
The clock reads 12.54.32
